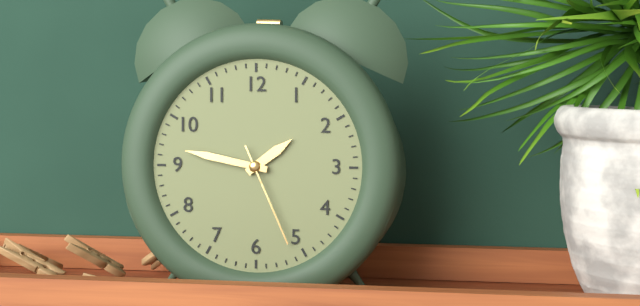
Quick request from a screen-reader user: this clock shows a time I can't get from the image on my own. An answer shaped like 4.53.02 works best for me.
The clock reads 1.47.26
